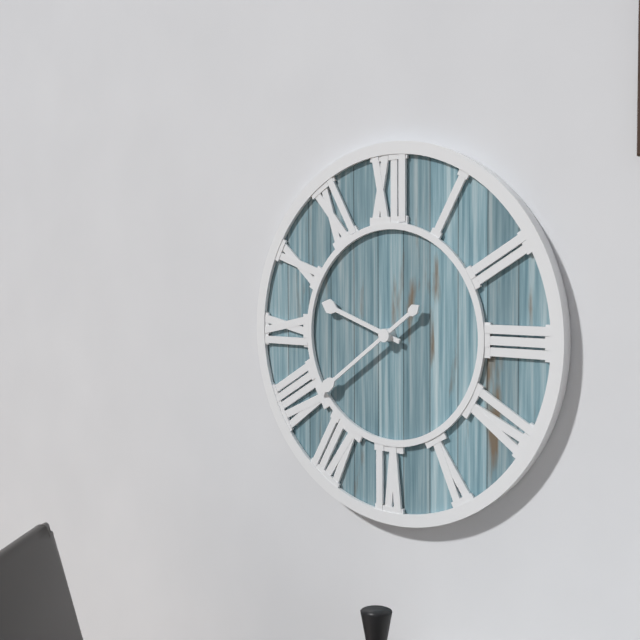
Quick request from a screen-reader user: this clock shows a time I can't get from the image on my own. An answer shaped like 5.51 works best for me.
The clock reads 9.39
